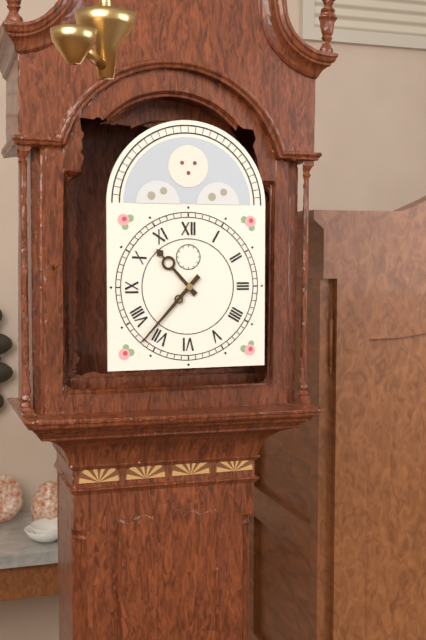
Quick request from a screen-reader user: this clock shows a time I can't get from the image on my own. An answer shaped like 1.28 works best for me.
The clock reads 10.37
